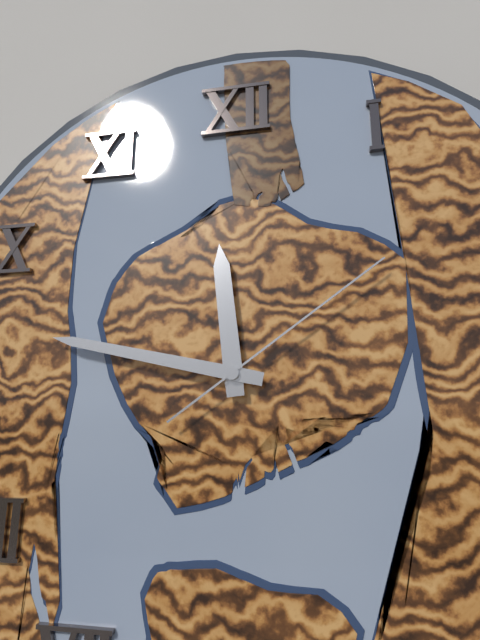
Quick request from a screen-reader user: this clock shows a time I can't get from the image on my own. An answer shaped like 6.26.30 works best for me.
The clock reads 11.47.09
